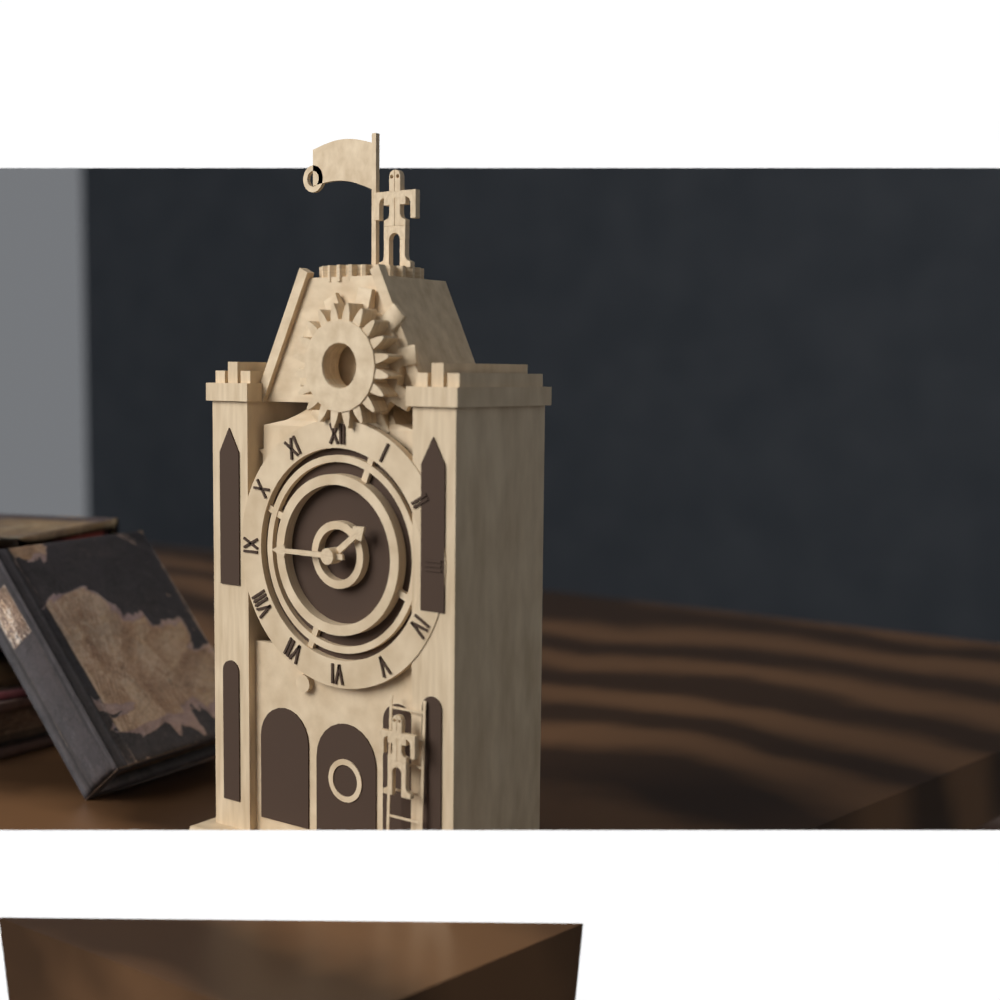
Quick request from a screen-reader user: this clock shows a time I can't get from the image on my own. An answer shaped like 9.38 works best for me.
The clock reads 1.45
